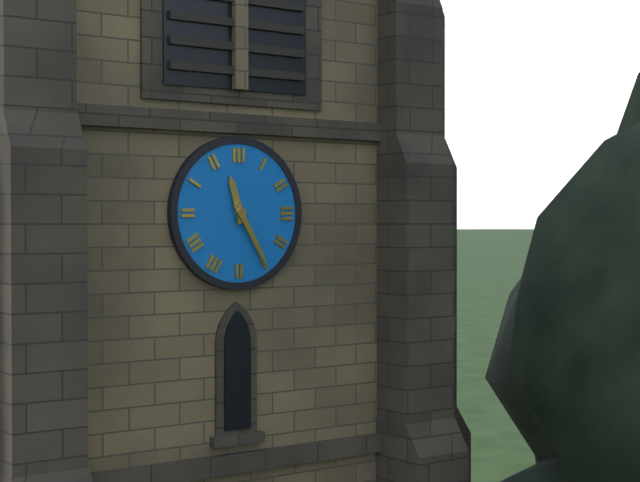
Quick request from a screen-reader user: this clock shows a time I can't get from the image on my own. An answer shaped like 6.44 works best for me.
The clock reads 11.25
